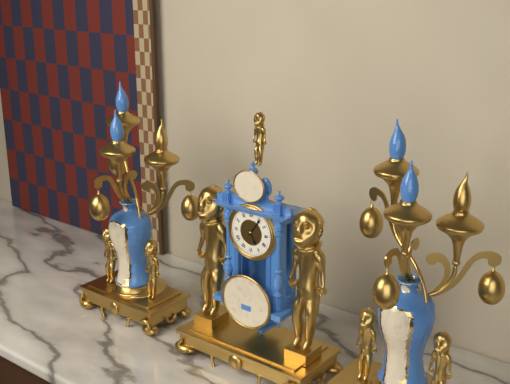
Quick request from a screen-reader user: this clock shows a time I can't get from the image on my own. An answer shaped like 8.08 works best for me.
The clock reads 5.06
